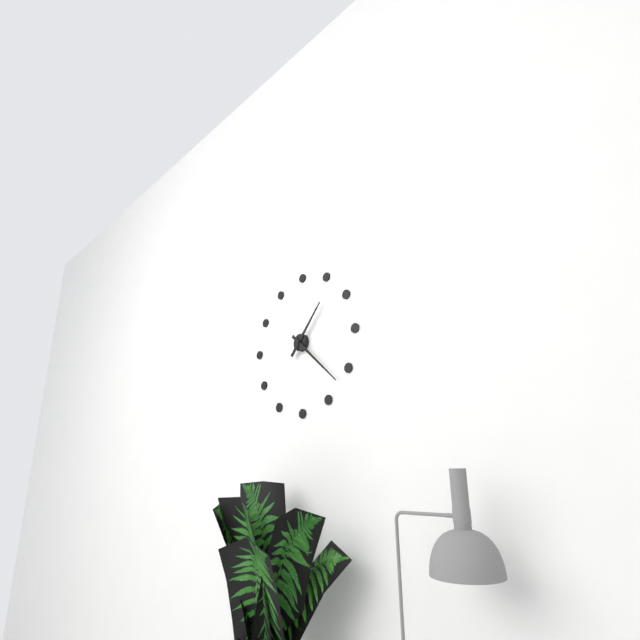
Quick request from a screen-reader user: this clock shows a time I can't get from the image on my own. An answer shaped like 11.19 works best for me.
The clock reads 1.22
